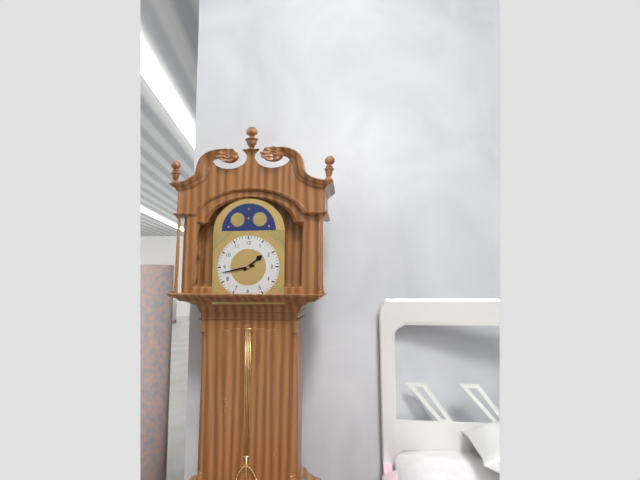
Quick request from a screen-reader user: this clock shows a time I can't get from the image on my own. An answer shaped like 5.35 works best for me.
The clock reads 1.43
